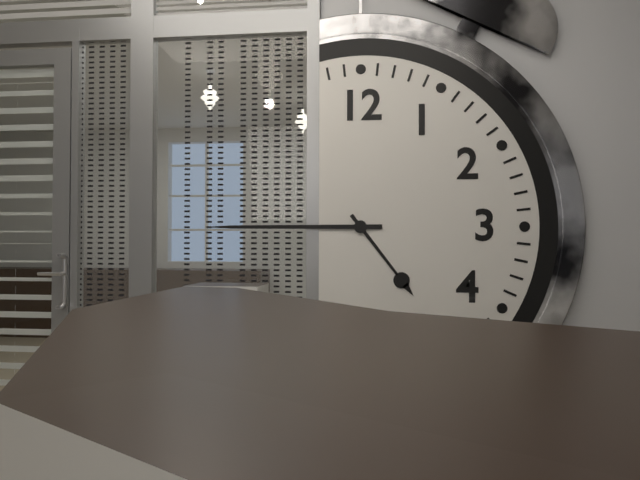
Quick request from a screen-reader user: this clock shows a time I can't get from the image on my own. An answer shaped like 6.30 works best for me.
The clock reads 4.45
